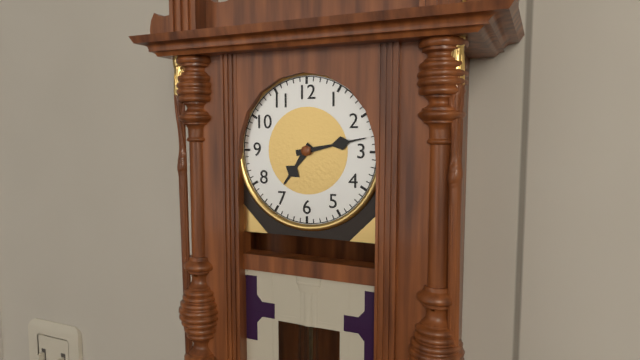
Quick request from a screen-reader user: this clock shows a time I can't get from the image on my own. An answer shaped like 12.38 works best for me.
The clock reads 7.13
